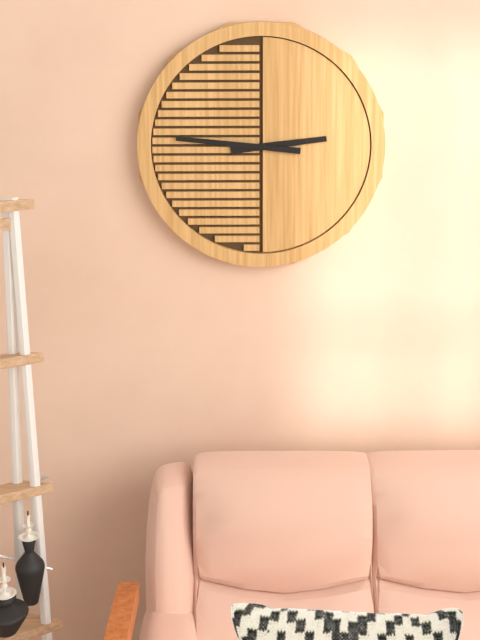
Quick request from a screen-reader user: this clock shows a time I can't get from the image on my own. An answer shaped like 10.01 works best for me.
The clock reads 2.46
